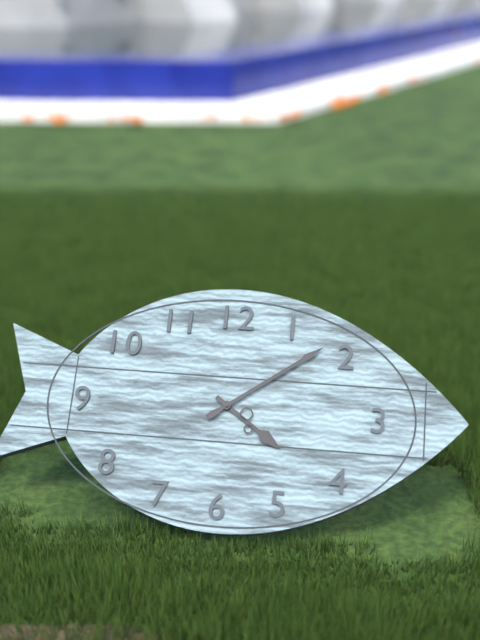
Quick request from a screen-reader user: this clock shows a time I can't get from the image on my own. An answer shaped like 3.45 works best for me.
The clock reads 4.09
